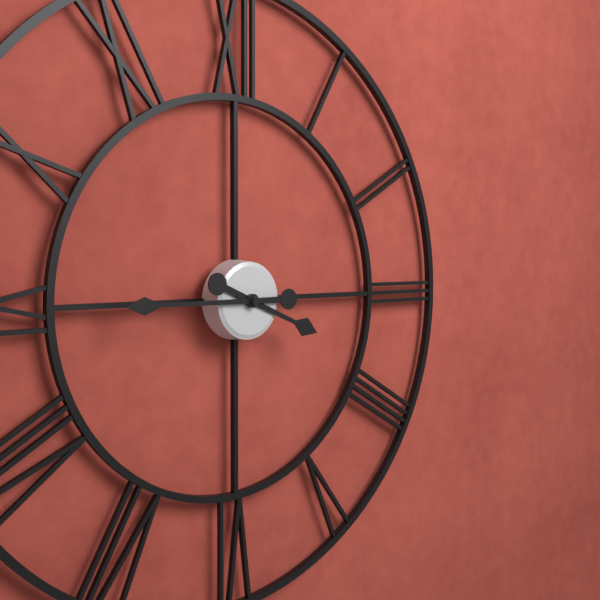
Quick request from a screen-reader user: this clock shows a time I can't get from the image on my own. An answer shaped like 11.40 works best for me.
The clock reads 3.45
